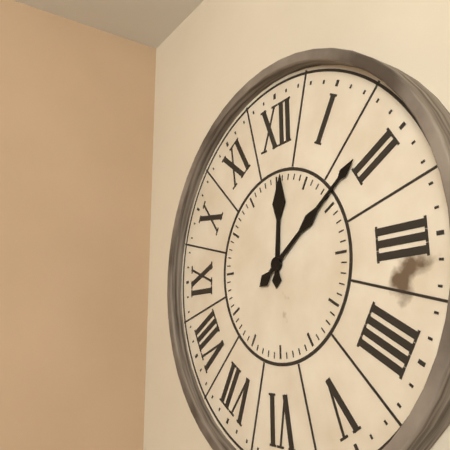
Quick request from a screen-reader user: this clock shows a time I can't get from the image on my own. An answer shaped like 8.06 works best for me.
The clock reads 12.09
